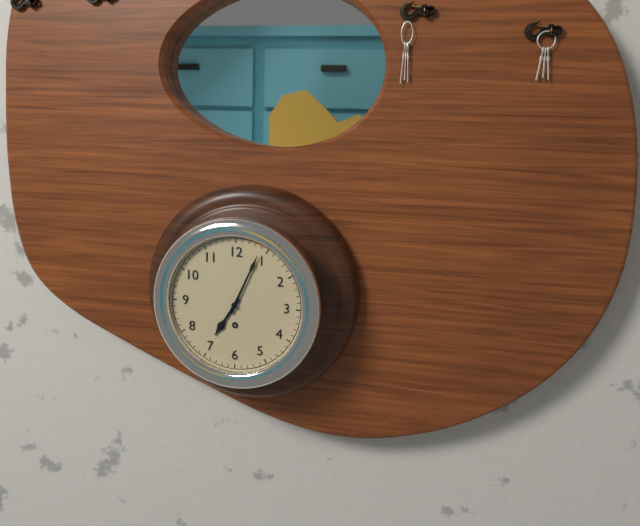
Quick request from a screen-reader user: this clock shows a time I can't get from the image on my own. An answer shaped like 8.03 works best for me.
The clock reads 7.04
